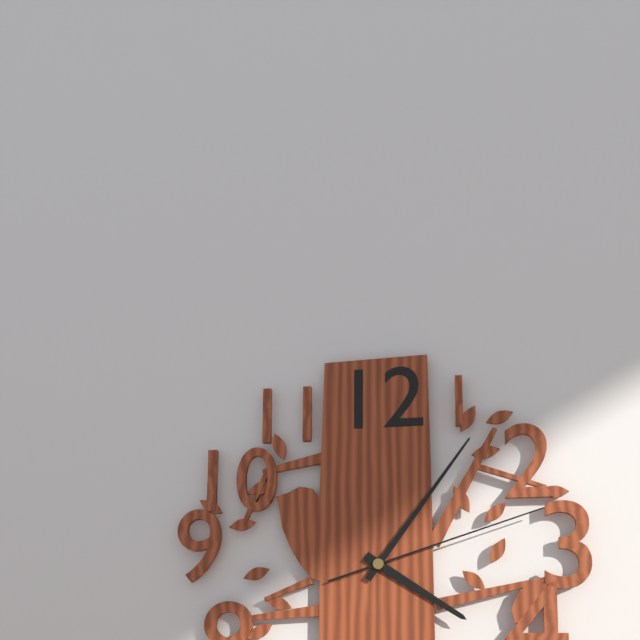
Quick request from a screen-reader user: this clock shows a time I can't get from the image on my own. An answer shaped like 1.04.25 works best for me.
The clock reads 4.06.12
